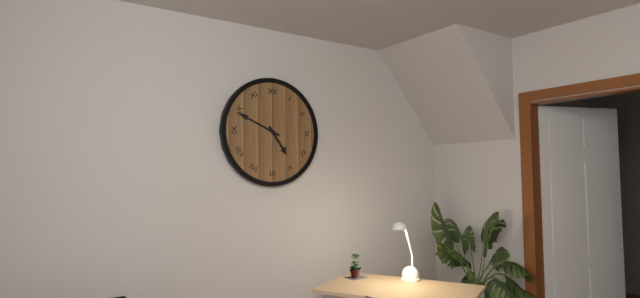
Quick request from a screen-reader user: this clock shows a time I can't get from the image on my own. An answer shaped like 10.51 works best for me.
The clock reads 4.49
